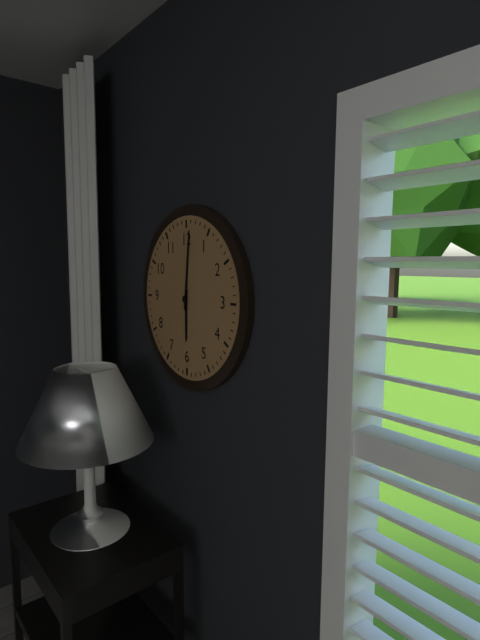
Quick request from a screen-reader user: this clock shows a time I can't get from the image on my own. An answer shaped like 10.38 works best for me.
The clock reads 6.01
